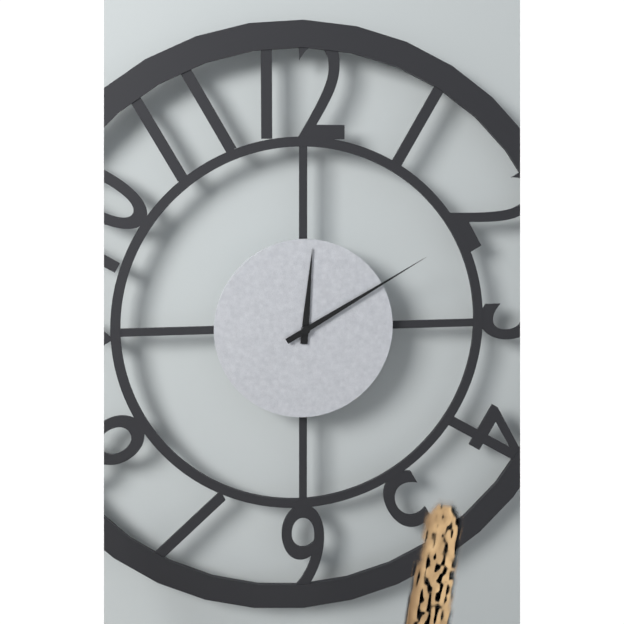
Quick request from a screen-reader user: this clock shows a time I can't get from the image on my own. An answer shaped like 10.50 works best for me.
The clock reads 12.10
